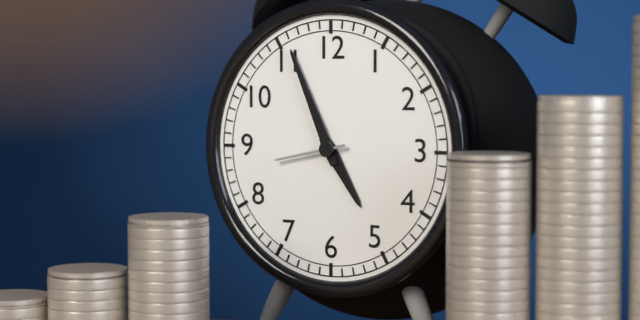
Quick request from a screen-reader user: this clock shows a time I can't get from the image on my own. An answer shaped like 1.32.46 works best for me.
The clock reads 4.56.43
